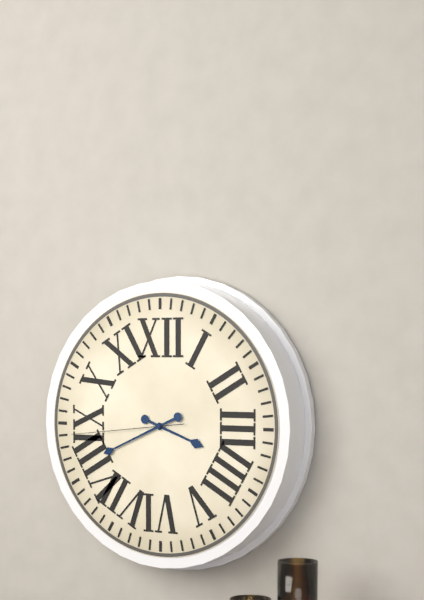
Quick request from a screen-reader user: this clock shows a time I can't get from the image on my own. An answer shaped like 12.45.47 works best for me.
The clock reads 3.41.44
